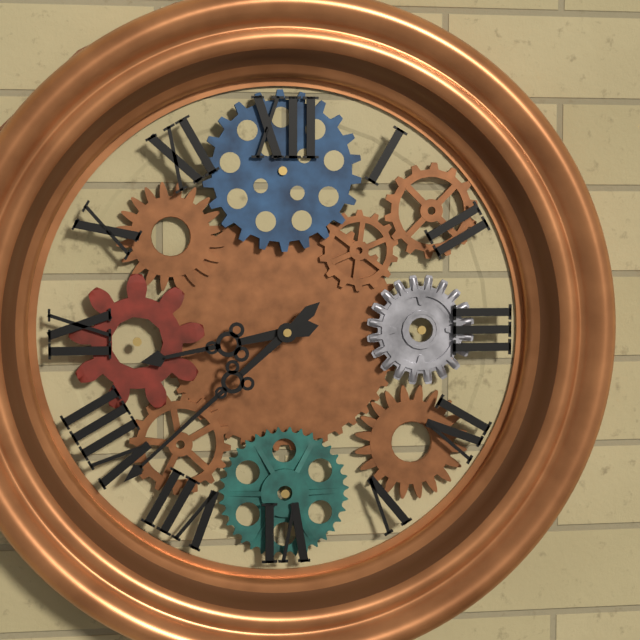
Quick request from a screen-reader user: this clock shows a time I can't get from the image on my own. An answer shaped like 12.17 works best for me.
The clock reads 8.38
